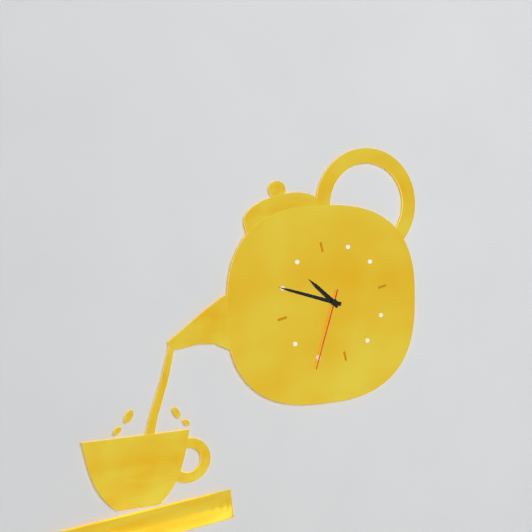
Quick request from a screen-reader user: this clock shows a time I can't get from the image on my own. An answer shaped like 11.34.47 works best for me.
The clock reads 10.50.35
